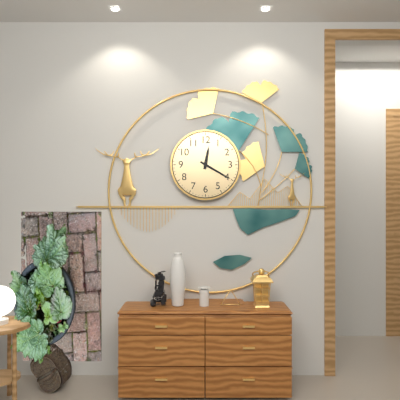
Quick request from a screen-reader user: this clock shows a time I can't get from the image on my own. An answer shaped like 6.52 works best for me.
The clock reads 12.20
